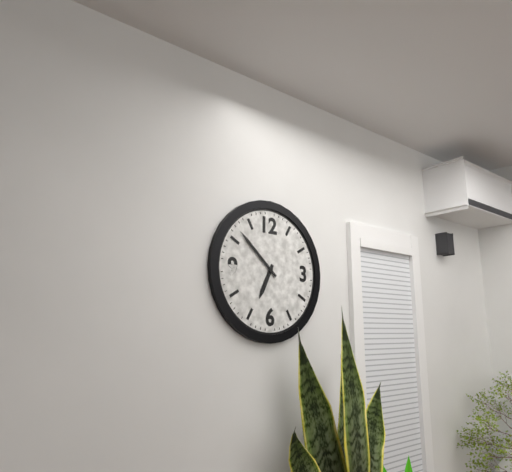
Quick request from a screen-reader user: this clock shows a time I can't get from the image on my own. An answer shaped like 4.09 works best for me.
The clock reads 6.52
